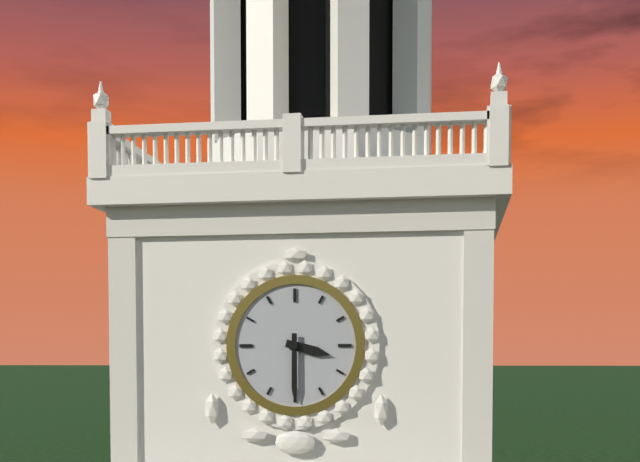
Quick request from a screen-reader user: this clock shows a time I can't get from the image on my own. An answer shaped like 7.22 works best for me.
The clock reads 3.30
